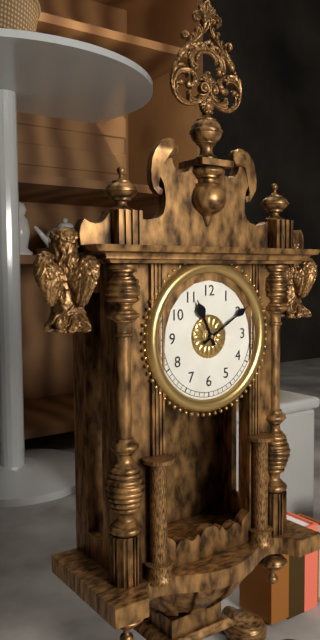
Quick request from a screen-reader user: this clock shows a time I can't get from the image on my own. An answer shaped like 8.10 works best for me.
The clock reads 11.10
